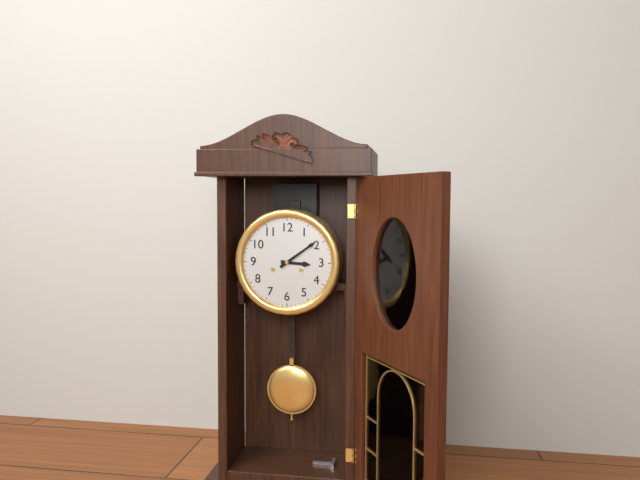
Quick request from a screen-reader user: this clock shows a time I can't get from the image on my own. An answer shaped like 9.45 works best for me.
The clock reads 3.09
